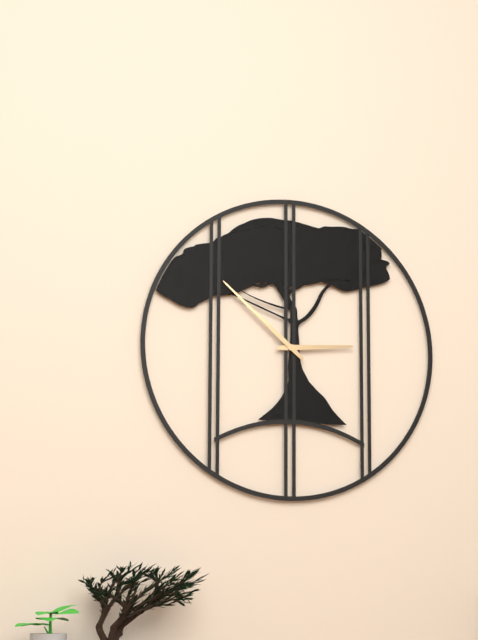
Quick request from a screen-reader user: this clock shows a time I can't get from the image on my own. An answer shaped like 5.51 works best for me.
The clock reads 2.52
